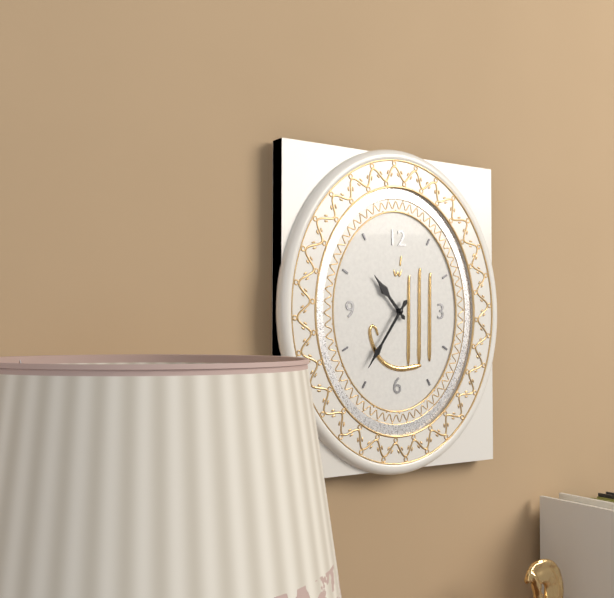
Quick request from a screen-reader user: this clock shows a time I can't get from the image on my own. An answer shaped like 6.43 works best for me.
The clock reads 10.36
